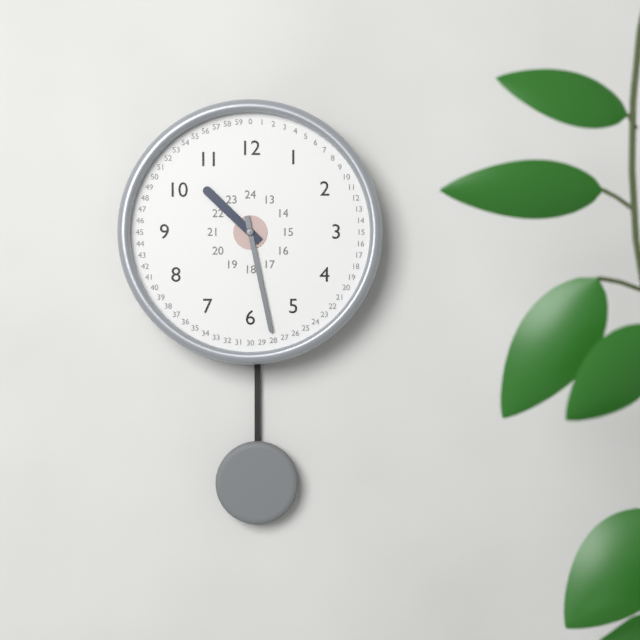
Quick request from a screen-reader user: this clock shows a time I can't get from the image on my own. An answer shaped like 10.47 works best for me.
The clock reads 10.28
